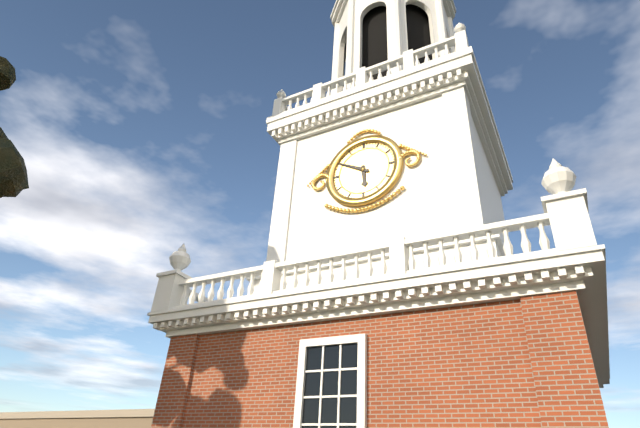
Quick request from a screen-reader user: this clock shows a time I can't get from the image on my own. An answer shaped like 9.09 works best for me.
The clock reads 5.50
